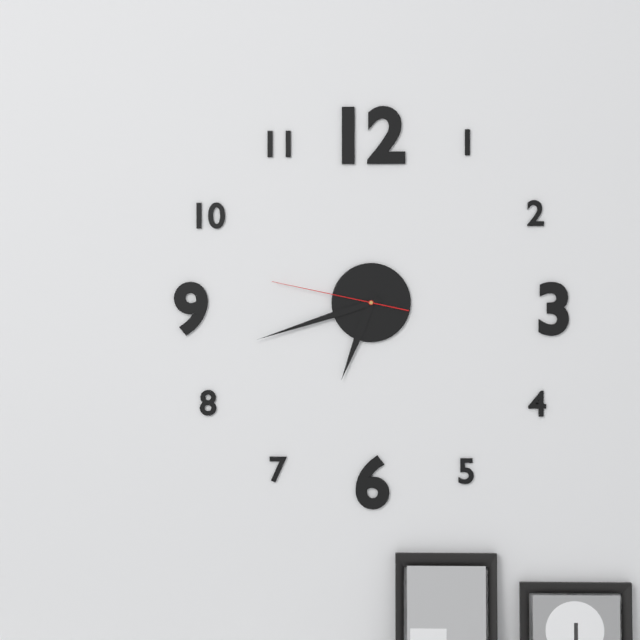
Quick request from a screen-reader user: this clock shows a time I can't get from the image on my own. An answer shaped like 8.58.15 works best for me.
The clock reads 6.42.47
